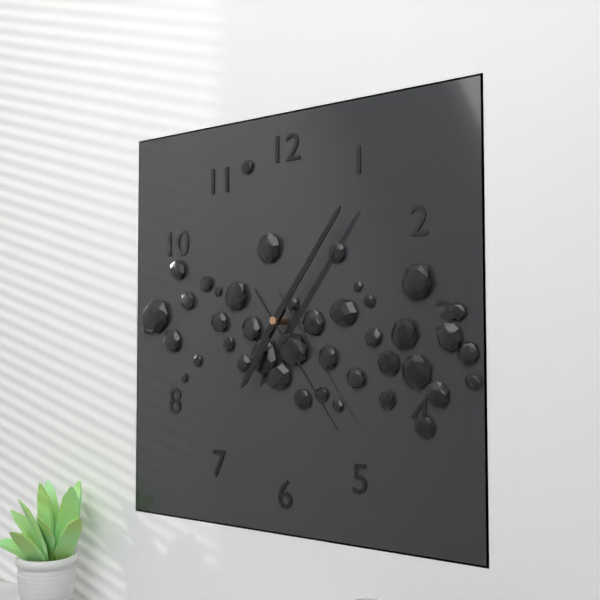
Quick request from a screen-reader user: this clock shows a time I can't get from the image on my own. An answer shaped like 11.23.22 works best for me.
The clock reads 7.06.24
